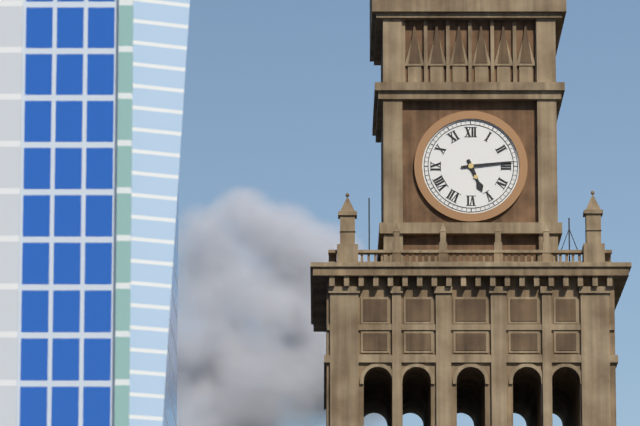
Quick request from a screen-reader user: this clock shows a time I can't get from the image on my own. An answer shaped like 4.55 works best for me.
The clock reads 5.14
